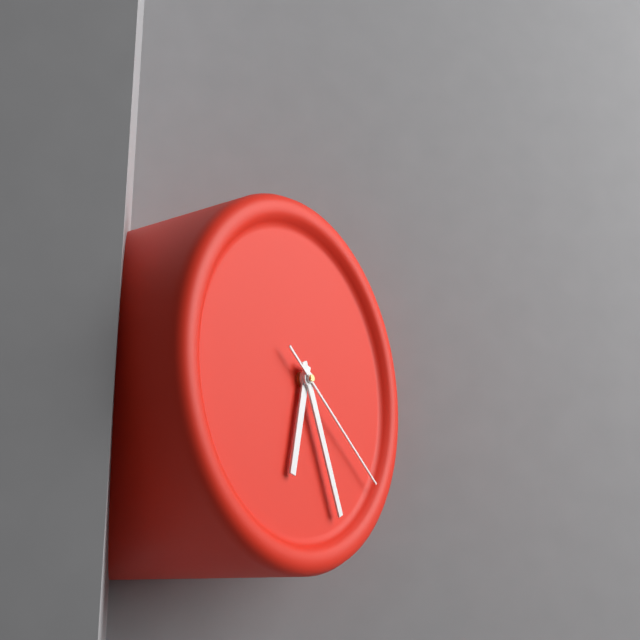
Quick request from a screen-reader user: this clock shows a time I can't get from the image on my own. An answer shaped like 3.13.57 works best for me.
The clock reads 6.26.21
